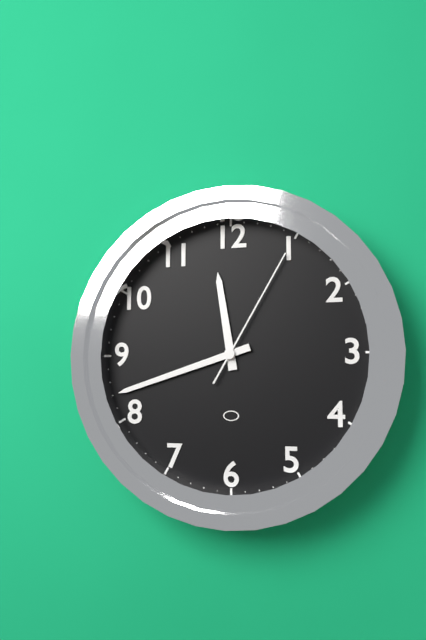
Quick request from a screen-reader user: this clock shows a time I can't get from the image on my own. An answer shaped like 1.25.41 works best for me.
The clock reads 11.42.05
